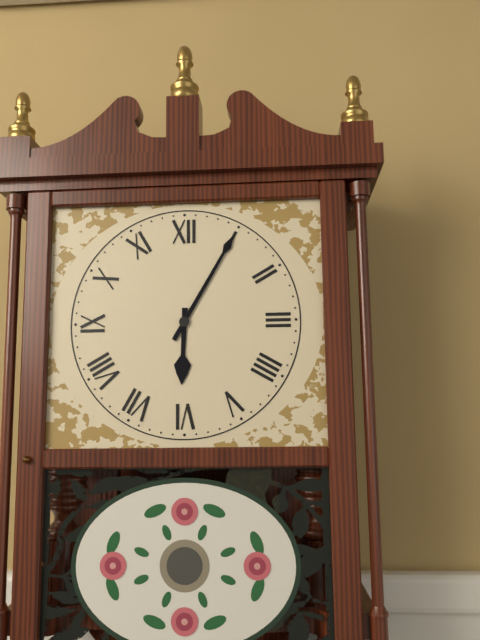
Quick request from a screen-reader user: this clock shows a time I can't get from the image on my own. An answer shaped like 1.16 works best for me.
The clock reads 6.05
